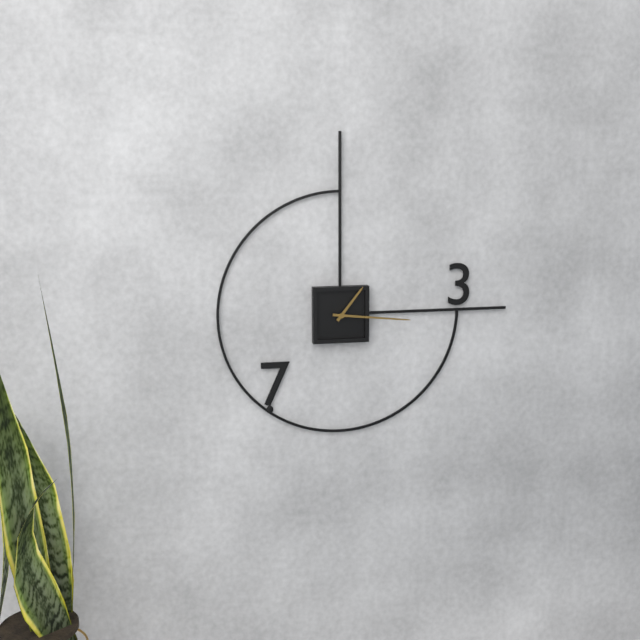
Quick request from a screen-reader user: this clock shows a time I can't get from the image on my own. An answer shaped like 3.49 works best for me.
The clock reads 1.16
